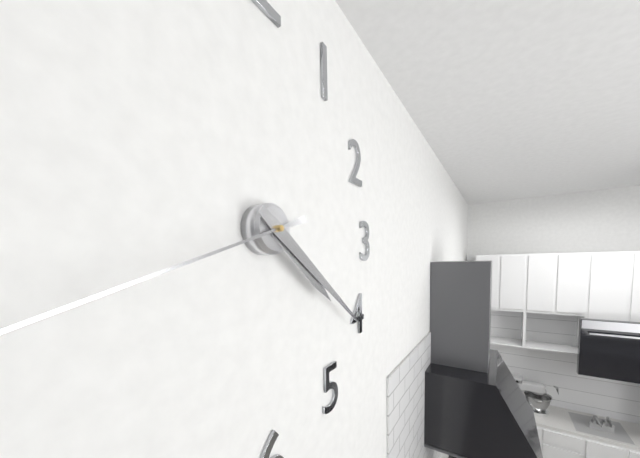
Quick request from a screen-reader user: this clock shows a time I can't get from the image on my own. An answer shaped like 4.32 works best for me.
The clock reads 4.21
